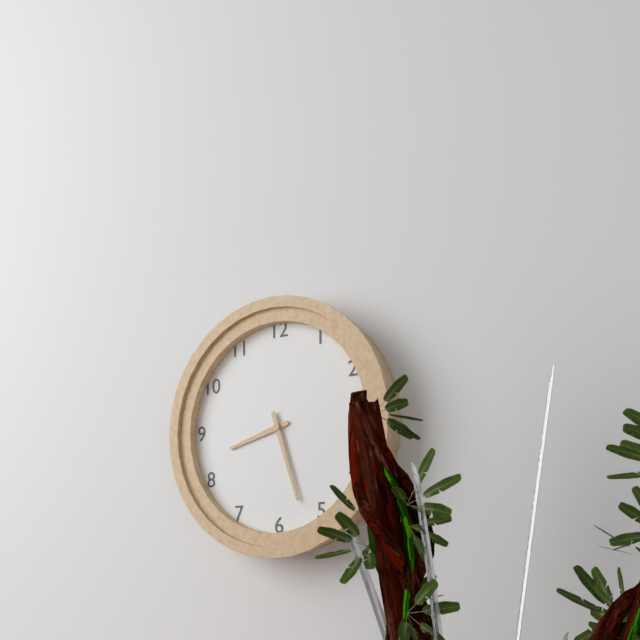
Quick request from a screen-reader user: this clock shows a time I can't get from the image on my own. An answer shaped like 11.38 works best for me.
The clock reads 8.27
